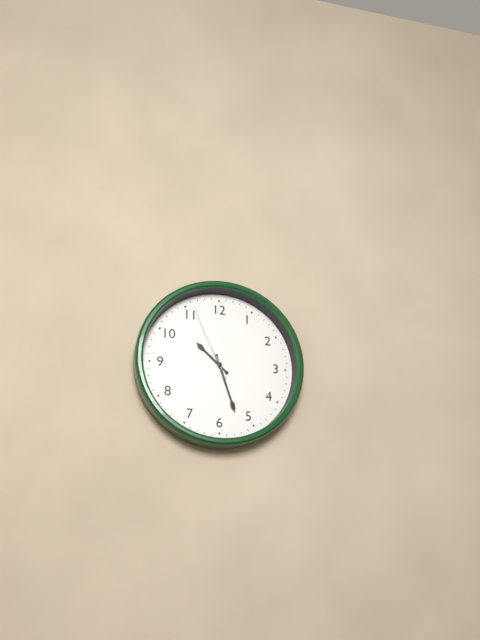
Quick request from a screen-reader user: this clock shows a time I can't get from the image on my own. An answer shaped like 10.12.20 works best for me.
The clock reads 10.27.56
